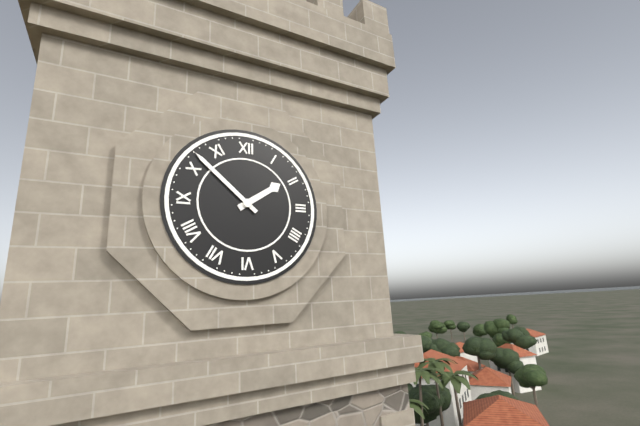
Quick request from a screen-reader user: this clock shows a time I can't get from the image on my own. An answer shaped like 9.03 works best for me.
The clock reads 1.52
